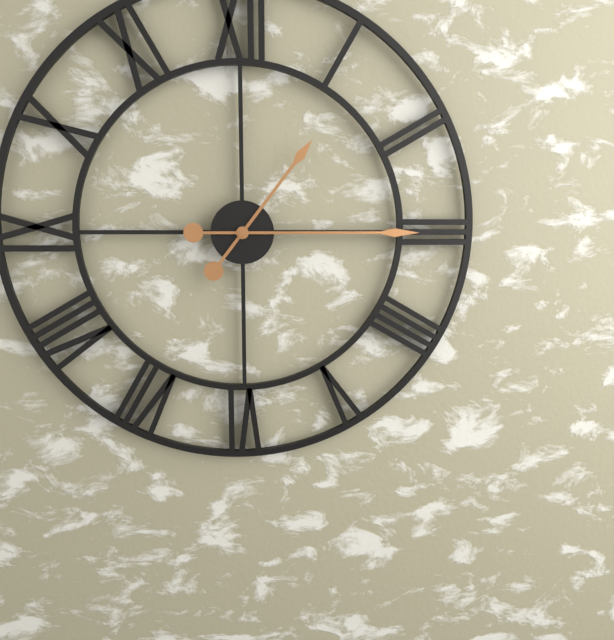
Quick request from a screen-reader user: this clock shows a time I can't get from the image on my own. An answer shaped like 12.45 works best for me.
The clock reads 1.15
